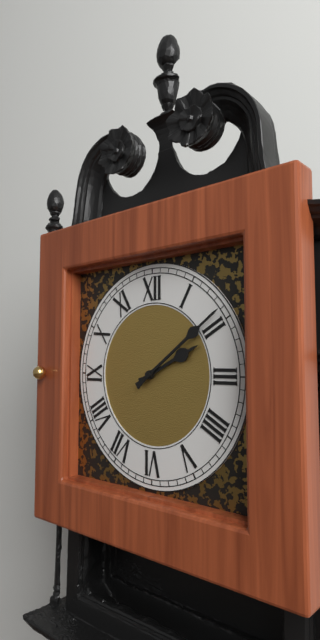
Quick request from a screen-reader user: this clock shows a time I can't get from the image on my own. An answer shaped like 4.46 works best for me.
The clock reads 2.09
